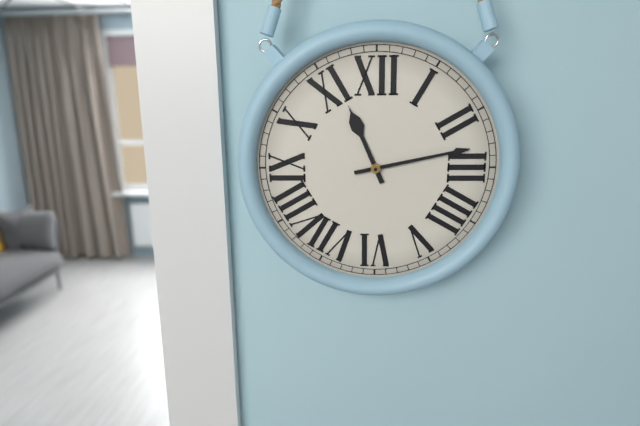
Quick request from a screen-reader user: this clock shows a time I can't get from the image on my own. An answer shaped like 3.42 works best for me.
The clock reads 11.13
